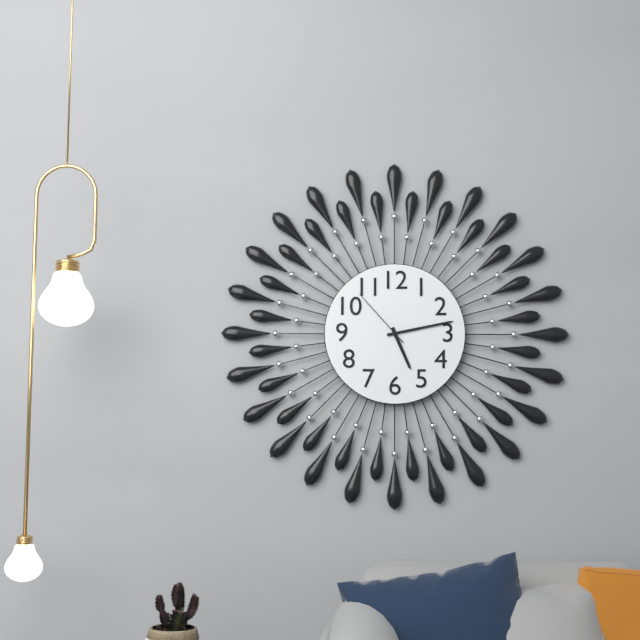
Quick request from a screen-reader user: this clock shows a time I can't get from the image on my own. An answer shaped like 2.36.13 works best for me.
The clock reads 5.13.53
